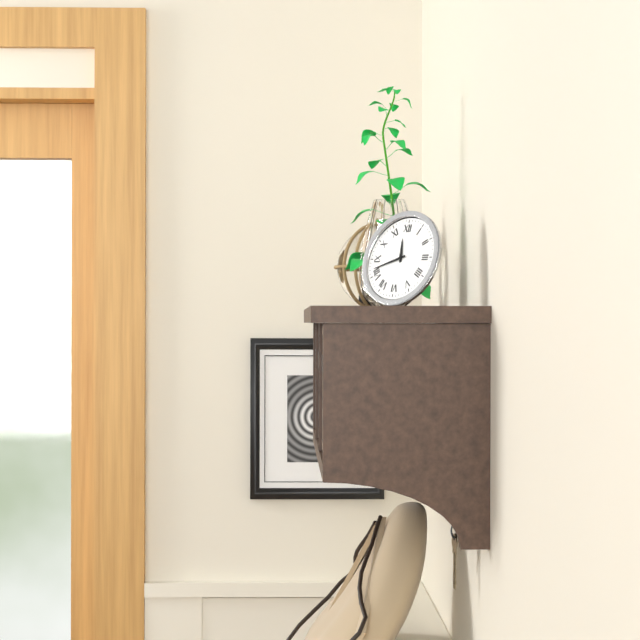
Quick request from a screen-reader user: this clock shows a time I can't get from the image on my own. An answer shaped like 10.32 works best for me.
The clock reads 11.42
